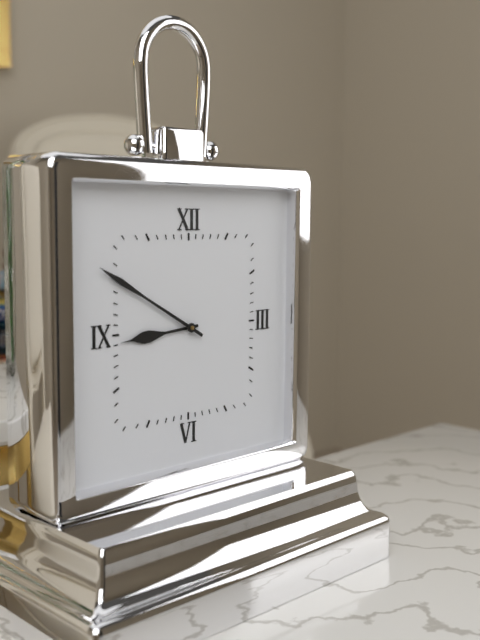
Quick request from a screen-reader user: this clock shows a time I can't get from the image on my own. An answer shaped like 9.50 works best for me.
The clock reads 8.50
